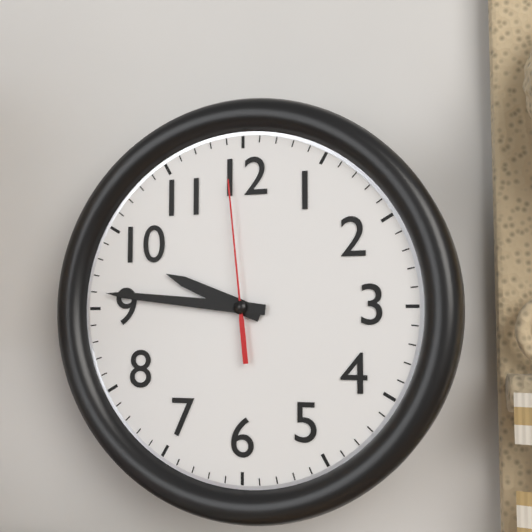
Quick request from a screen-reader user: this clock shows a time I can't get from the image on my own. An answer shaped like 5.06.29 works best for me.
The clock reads 9.46.59
